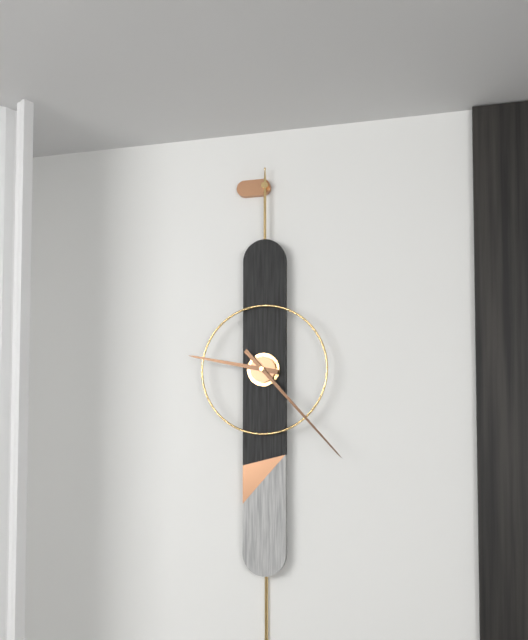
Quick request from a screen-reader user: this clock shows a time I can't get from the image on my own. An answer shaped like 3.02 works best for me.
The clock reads 9.23
